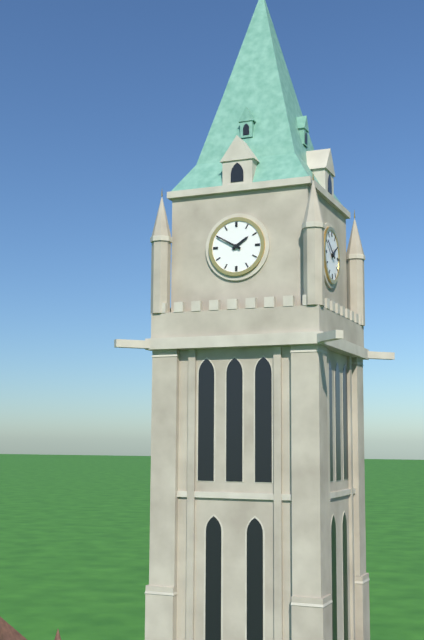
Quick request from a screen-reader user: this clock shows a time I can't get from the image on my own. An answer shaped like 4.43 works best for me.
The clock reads 1.50
